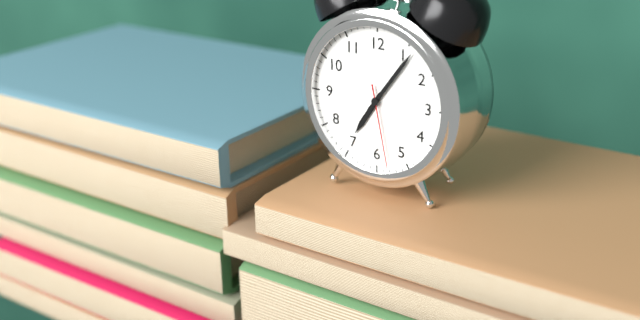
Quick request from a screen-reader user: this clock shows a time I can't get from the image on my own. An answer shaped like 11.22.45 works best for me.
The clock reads 7.06.28
